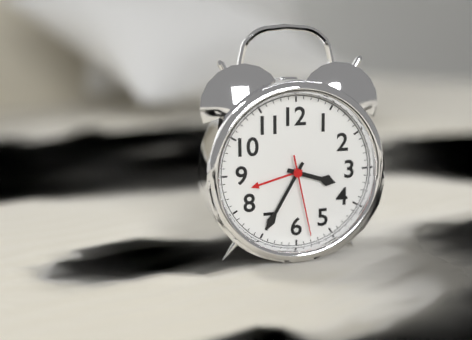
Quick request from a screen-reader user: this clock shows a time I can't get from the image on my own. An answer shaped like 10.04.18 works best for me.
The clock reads 3.35.28
